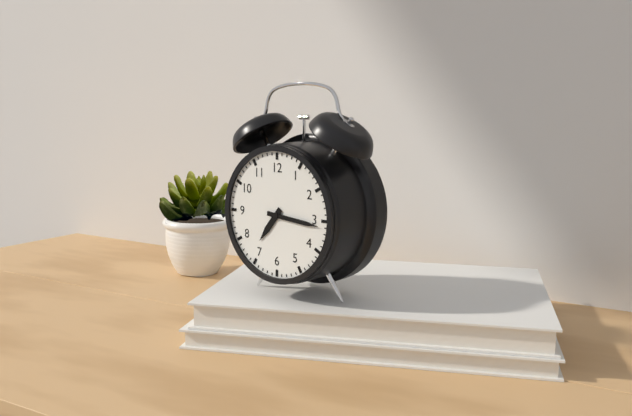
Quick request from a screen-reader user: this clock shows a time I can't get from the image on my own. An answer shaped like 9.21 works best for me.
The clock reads 7.16
